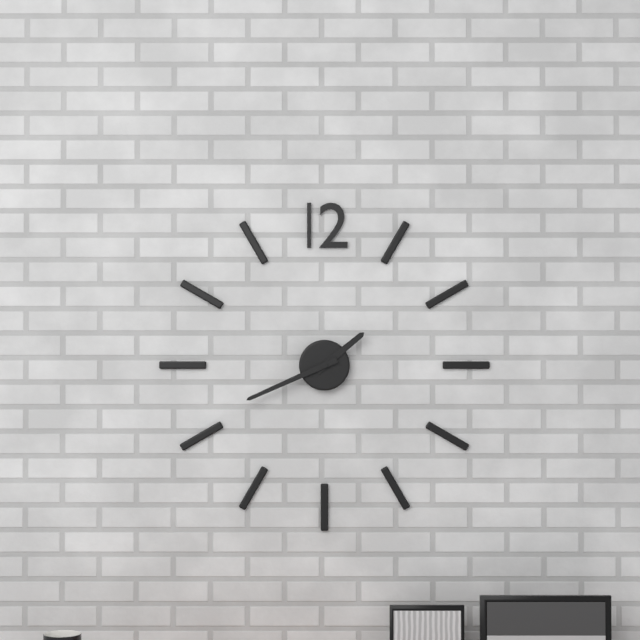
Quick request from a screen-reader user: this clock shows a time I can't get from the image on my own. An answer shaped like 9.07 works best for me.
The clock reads 1.41
